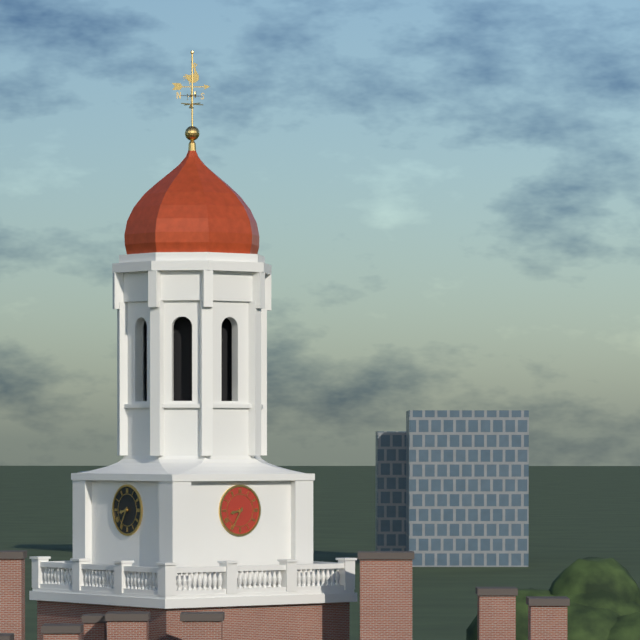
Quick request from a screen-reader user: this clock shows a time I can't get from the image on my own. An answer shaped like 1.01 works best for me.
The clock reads 8.35
